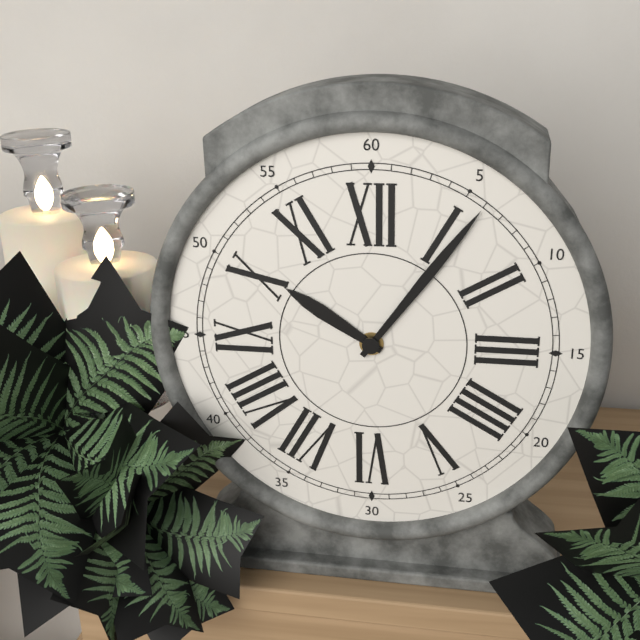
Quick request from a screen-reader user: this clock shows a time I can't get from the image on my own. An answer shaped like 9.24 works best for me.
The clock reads 10.06
